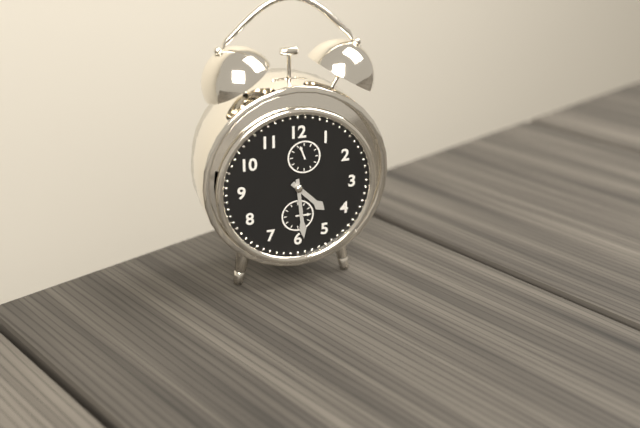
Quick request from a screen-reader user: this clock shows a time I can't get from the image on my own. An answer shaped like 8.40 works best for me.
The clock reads 4.29
